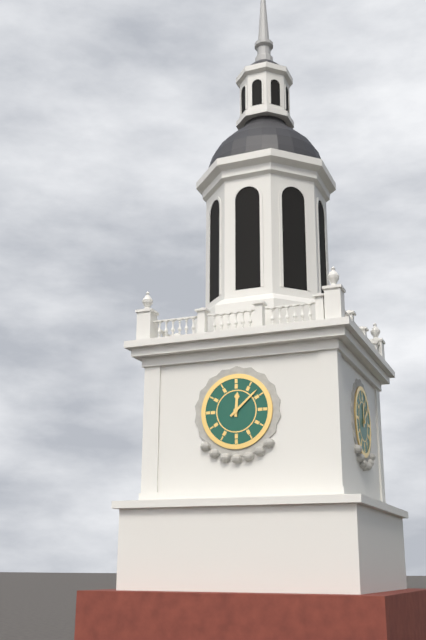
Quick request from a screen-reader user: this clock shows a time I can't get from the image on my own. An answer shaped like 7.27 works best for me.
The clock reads 12.08
